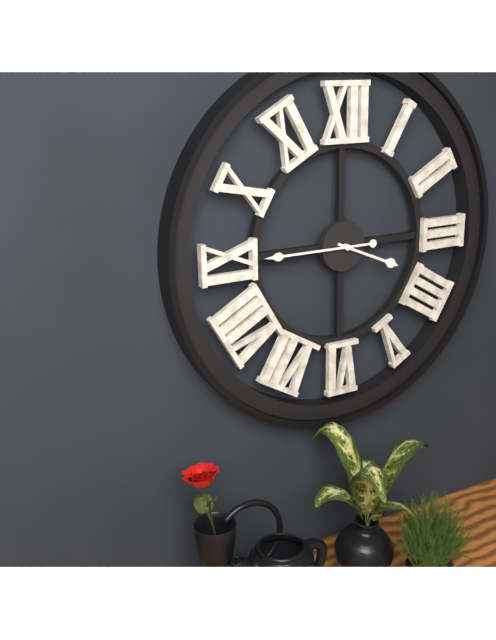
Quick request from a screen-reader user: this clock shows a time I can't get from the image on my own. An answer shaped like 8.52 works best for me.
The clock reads 3.45
